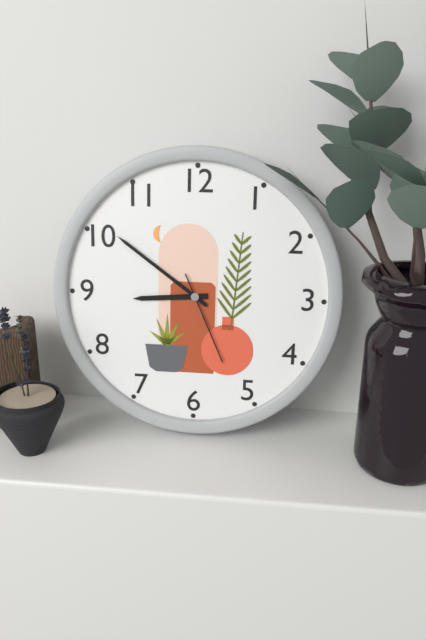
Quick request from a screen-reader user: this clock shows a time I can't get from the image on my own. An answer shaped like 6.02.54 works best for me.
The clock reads 8.51.26
